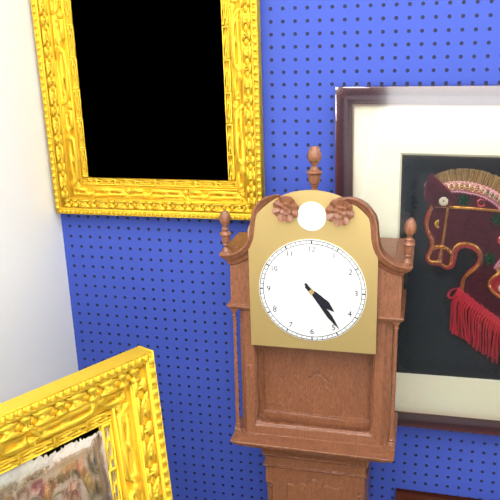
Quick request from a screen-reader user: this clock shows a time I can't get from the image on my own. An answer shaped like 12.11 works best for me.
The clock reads 4.24
